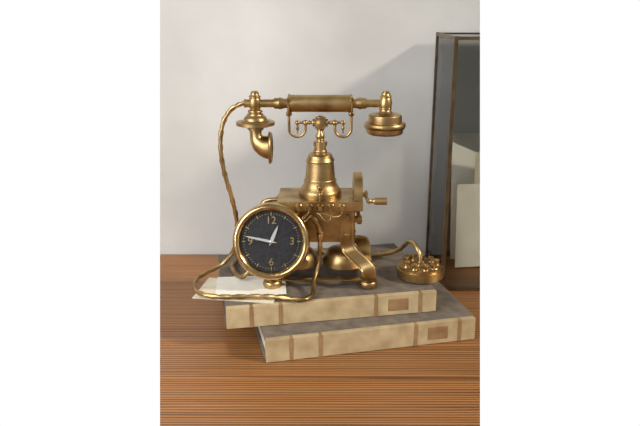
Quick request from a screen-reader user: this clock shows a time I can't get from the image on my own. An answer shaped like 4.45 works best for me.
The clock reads 12.47
